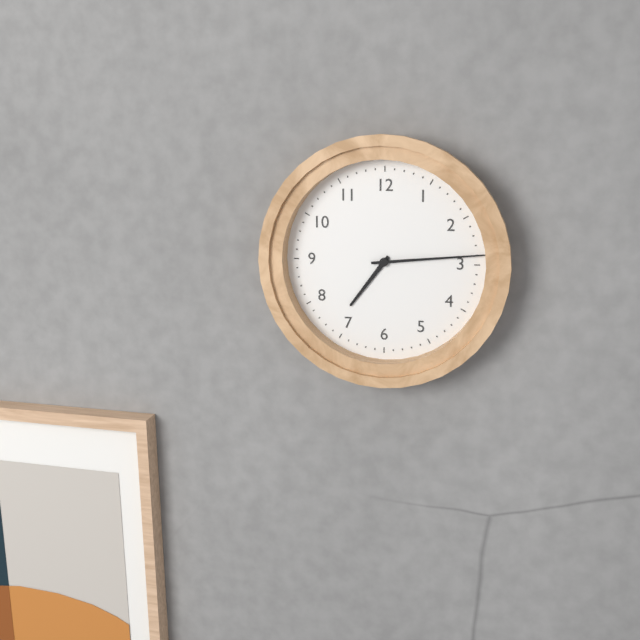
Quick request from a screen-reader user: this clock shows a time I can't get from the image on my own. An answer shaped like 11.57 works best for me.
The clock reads 7.14
